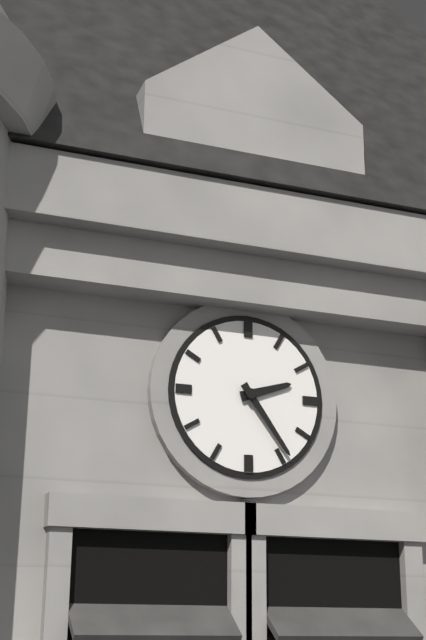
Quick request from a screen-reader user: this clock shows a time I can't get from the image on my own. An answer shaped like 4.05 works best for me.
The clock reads 2.24
